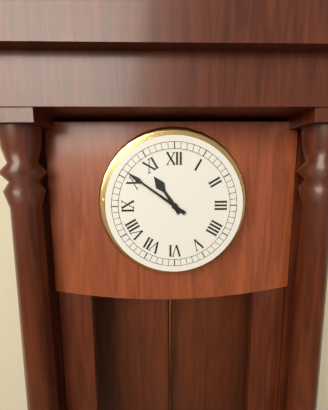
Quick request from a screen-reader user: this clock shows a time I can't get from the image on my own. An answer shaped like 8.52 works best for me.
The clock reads 10.51
